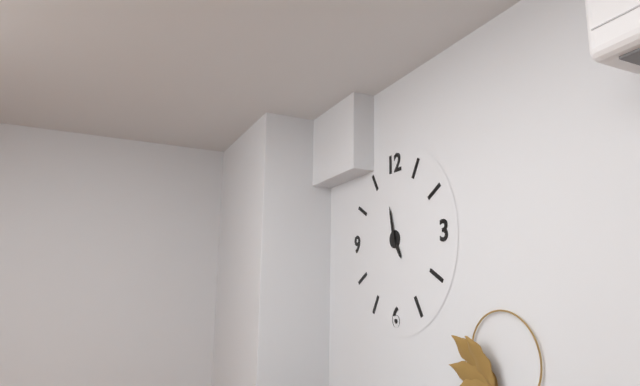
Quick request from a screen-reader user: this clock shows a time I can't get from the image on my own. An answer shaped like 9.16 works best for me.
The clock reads 4.58
